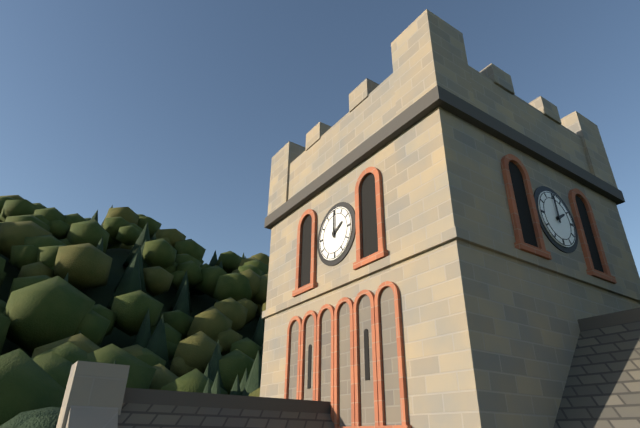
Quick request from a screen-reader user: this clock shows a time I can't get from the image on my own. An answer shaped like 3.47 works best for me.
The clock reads 2.00
